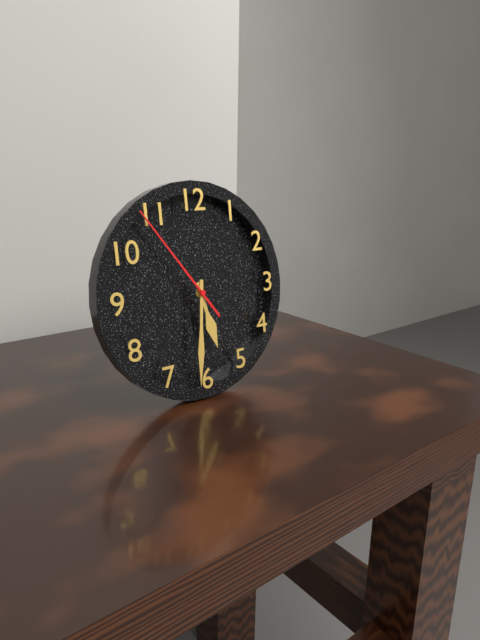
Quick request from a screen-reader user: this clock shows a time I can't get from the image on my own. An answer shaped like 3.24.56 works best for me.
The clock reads 5.31.54
